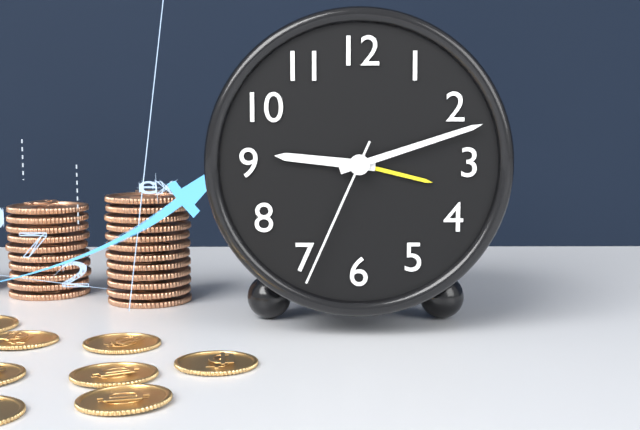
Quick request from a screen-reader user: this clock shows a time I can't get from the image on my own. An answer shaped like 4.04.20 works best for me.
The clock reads 9.12.34
